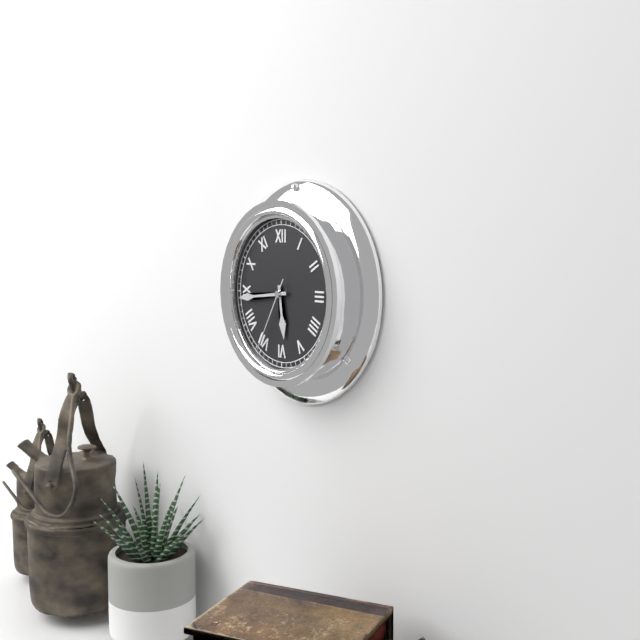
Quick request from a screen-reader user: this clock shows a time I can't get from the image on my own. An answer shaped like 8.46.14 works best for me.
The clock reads 5.44.35
